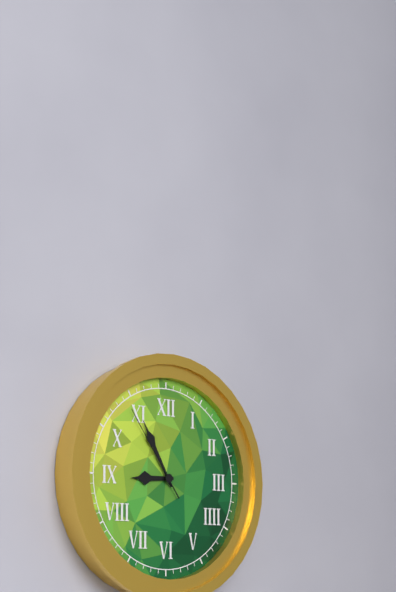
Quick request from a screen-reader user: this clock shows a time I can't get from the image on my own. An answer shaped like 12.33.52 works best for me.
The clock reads 8.55.54
